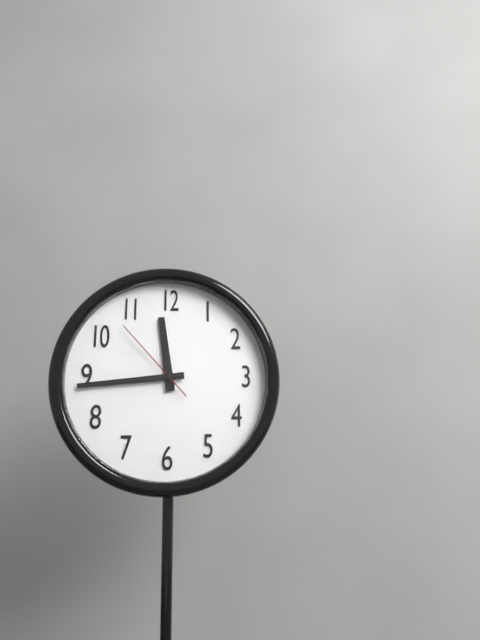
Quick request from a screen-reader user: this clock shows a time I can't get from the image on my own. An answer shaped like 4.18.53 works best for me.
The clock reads 11.44.53
